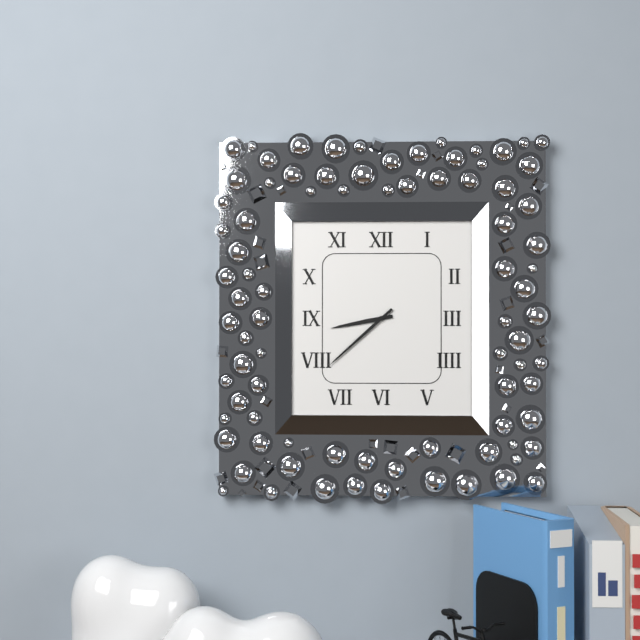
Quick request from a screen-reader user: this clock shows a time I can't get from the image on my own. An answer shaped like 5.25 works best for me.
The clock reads 8.38
